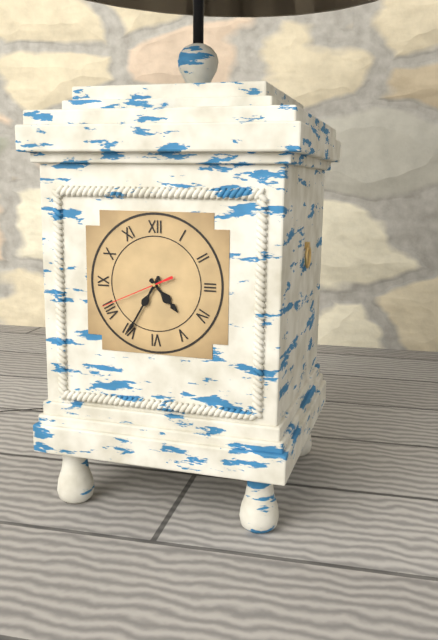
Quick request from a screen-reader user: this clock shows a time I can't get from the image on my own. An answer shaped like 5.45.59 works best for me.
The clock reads 4.35.41
